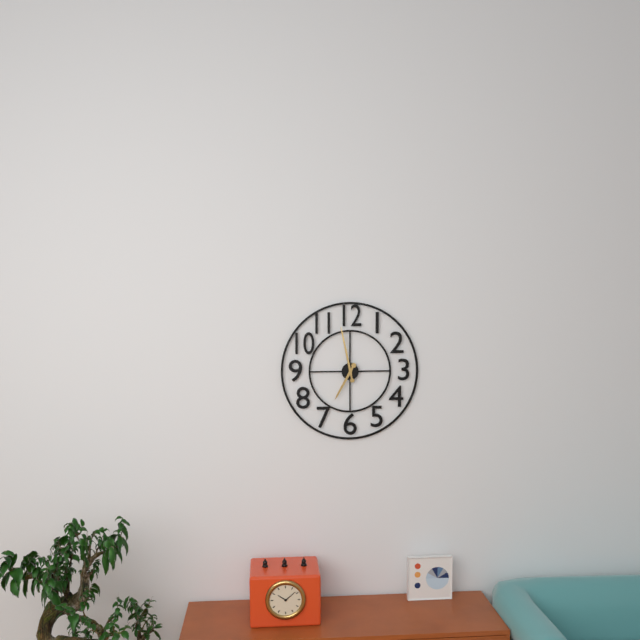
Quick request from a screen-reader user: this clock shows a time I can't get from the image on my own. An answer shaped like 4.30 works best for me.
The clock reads 6.58
